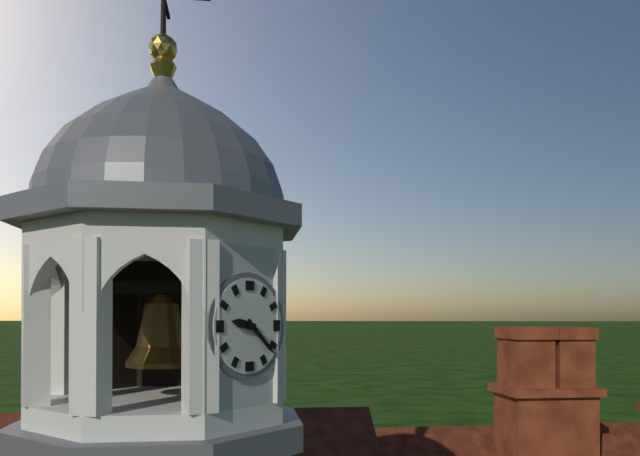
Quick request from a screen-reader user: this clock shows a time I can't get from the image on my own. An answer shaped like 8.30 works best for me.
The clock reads 9.22
